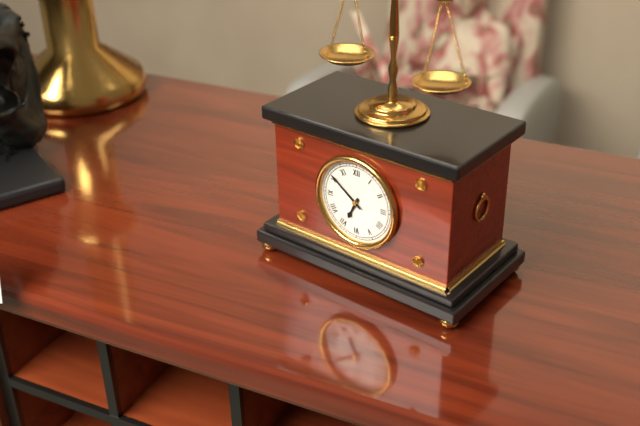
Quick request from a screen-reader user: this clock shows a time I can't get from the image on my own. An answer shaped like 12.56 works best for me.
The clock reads 6.51
